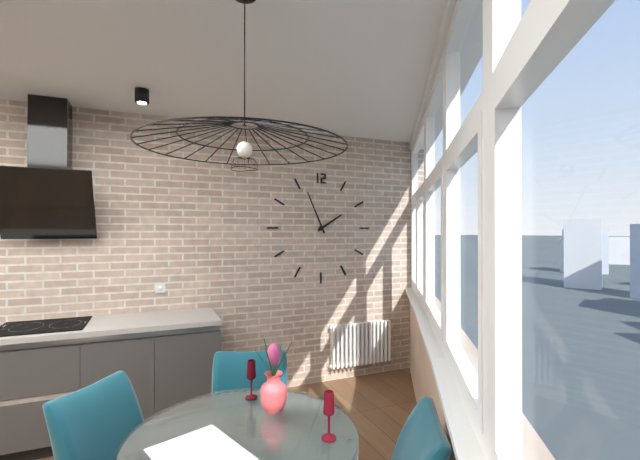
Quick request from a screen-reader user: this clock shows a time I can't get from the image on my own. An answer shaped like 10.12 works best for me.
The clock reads 1.56
